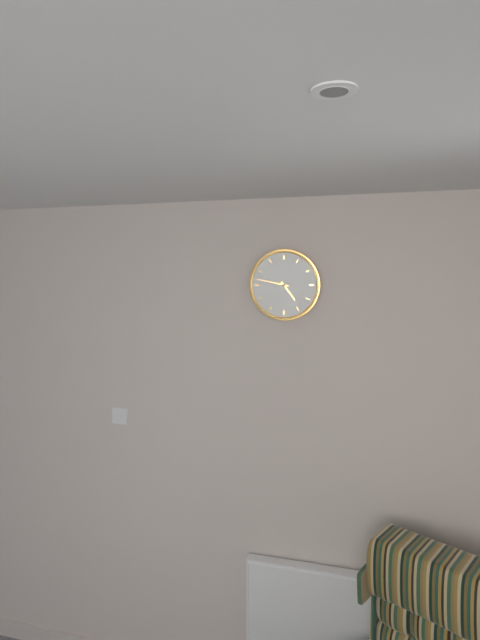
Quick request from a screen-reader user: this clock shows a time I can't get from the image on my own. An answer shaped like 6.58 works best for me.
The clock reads 4.47
